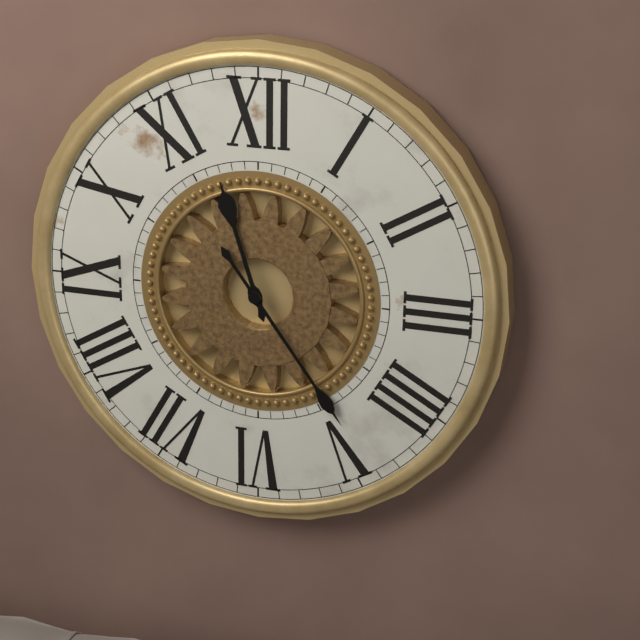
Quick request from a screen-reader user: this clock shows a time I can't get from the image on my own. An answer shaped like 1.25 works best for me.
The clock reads 11.24
